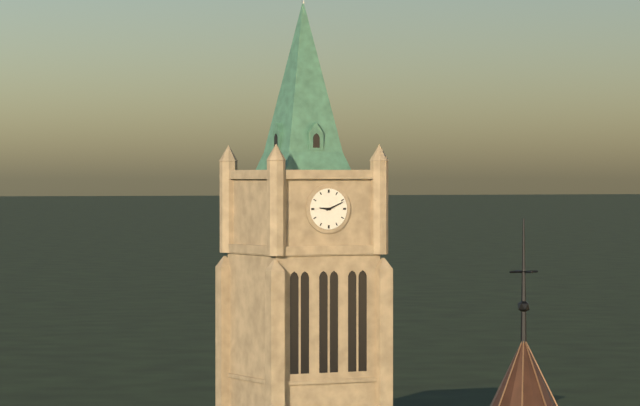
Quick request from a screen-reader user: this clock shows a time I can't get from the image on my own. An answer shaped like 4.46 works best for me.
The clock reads 9.11
